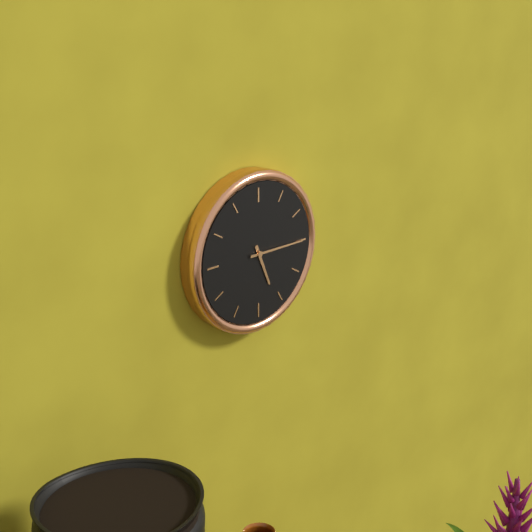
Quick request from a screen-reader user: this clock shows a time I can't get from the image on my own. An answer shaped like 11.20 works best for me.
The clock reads 5.15
